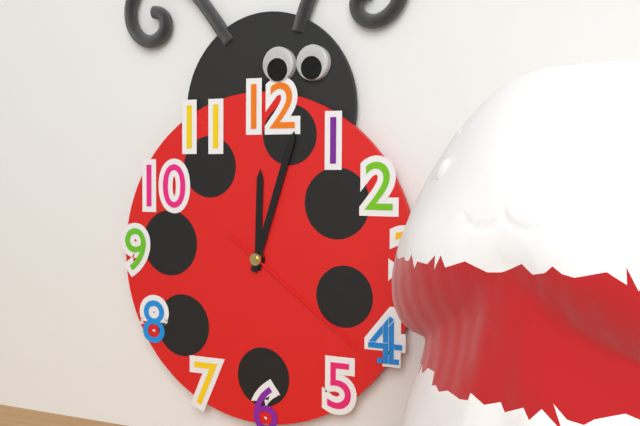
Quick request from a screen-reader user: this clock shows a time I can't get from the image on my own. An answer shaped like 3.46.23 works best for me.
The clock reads 12.03.21
